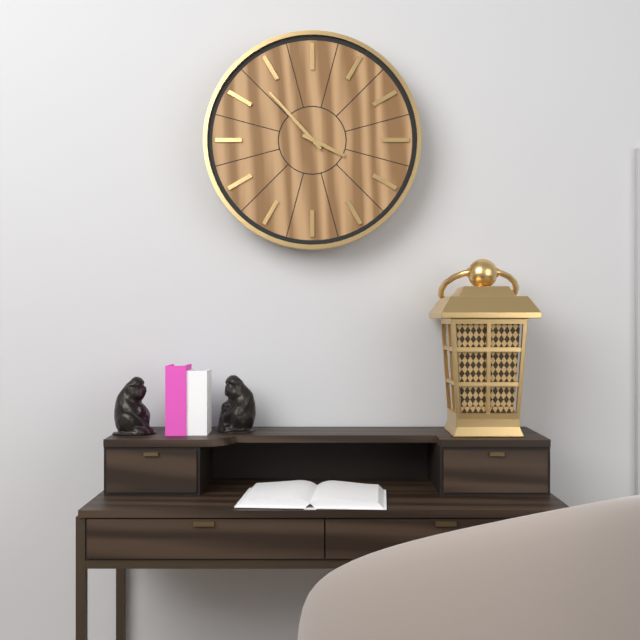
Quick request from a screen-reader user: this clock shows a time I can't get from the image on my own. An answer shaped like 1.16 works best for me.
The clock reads 3.53
